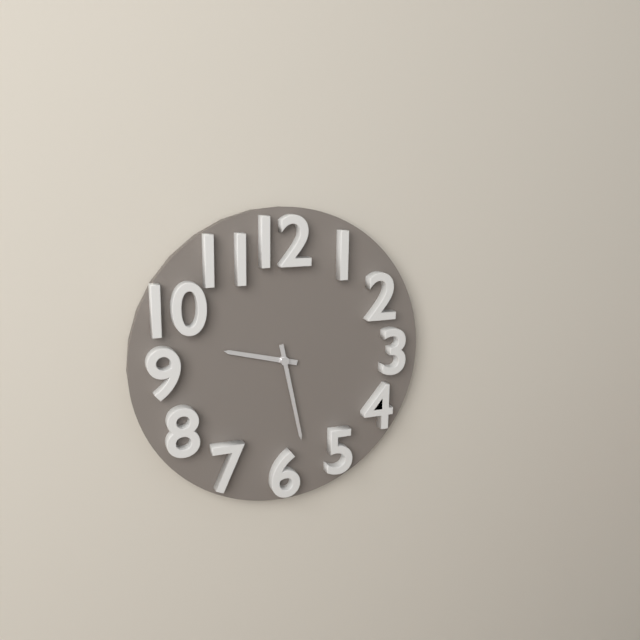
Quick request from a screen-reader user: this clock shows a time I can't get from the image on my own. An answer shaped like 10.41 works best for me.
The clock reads 9.28
